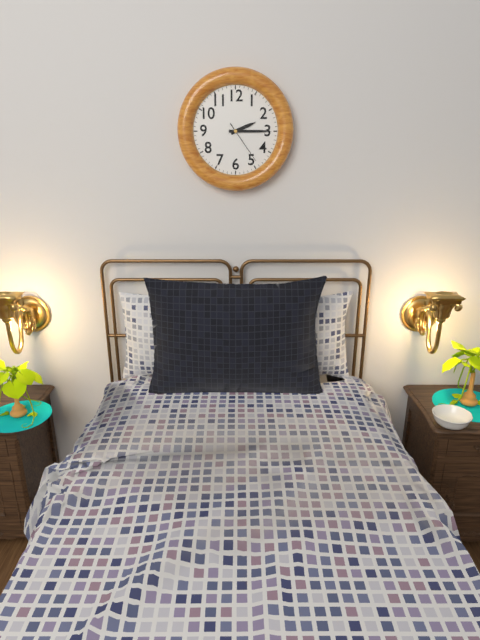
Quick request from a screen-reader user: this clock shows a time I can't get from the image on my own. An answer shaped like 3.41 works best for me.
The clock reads 2.15
